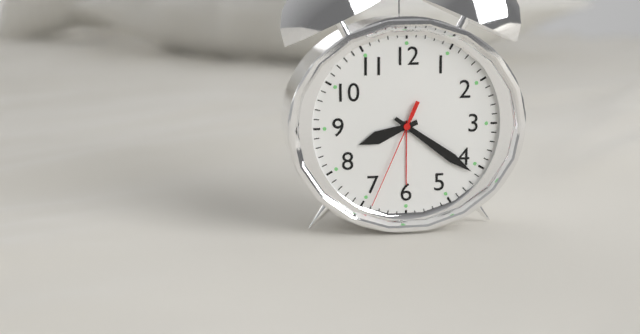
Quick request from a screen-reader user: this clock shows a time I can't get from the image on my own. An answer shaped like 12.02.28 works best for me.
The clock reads 8.21.34
